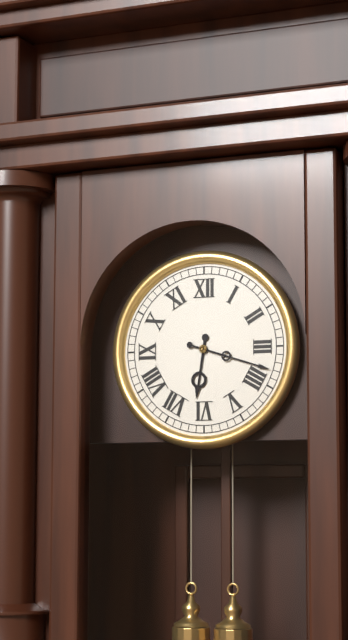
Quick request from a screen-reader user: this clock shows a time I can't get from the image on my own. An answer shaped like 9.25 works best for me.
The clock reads 6.18
